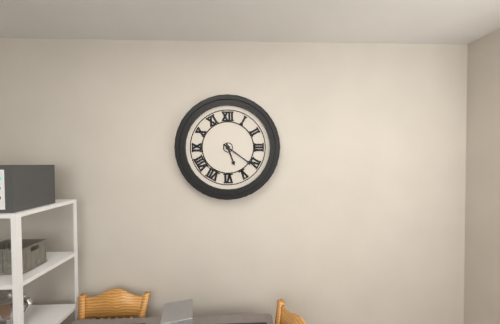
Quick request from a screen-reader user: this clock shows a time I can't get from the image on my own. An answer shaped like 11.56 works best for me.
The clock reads 5.21
